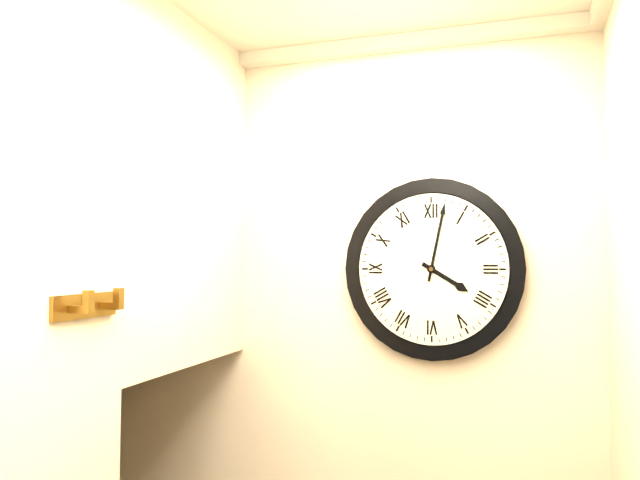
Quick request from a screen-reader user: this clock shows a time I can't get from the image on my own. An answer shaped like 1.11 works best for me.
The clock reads 4.02
